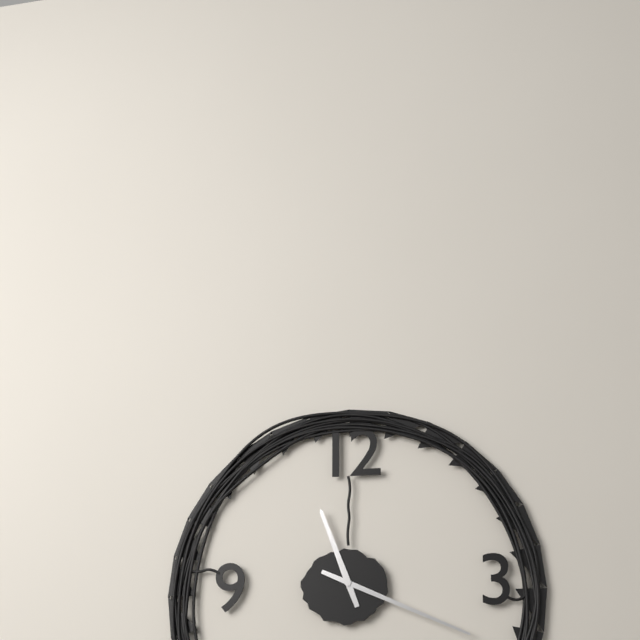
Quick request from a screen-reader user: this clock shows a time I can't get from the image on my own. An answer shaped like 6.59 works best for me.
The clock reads 11.19
